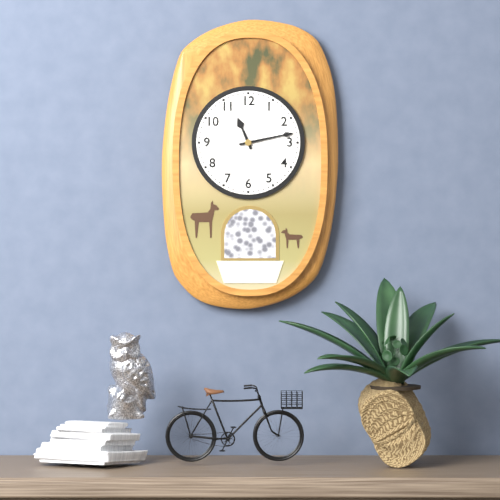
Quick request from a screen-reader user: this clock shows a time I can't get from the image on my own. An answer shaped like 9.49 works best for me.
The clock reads 11.13
